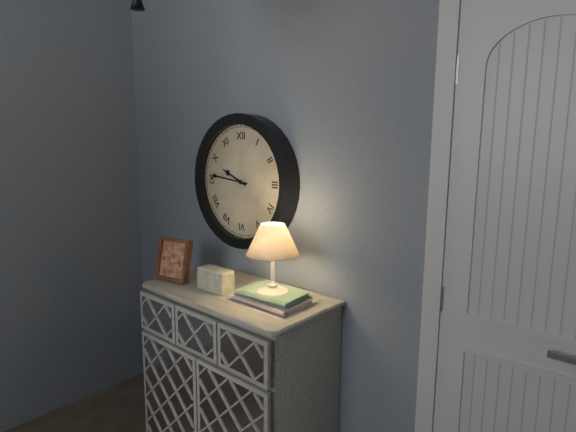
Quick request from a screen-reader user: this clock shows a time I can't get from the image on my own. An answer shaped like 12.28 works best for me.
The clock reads 9.46
